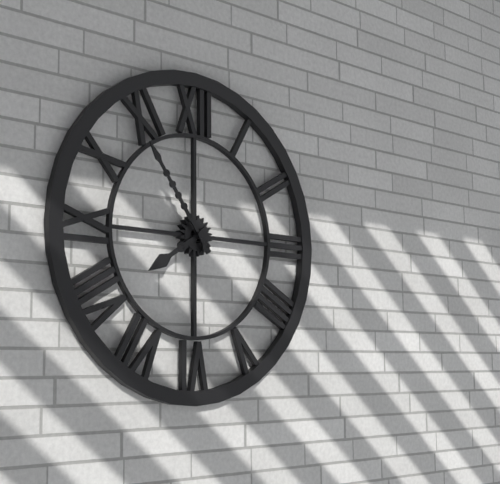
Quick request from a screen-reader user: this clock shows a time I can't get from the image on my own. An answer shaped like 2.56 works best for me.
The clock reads 7.54
